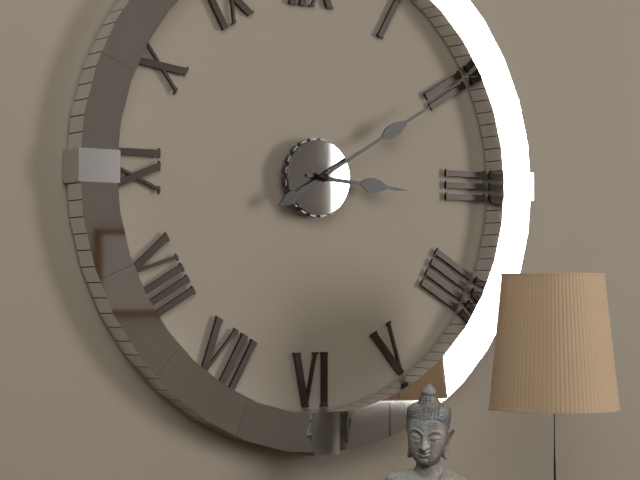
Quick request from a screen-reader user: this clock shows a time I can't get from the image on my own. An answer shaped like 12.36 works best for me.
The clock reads 3.10
